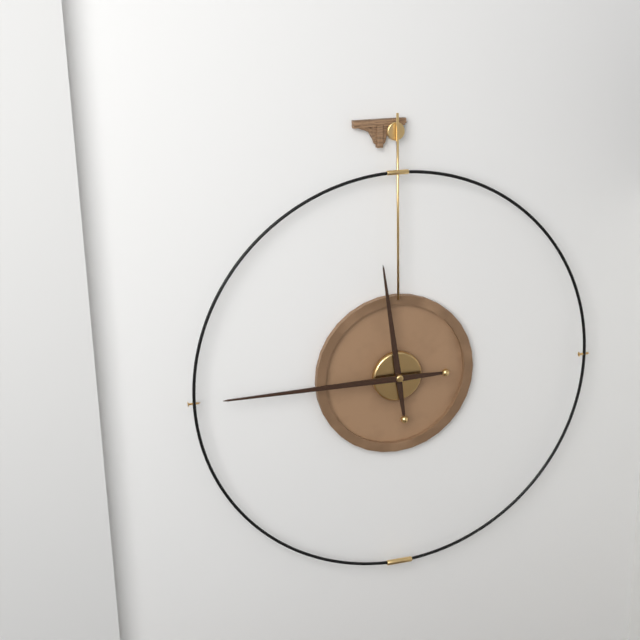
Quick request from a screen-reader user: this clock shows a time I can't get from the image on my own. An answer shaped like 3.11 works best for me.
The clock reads 11.45
